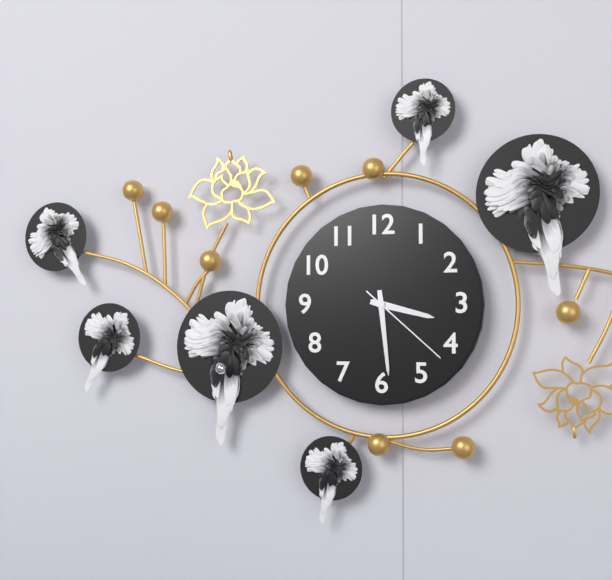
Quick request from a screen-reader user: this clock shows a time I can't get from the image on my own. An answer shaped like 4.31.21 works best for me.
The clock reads 3.29.22
